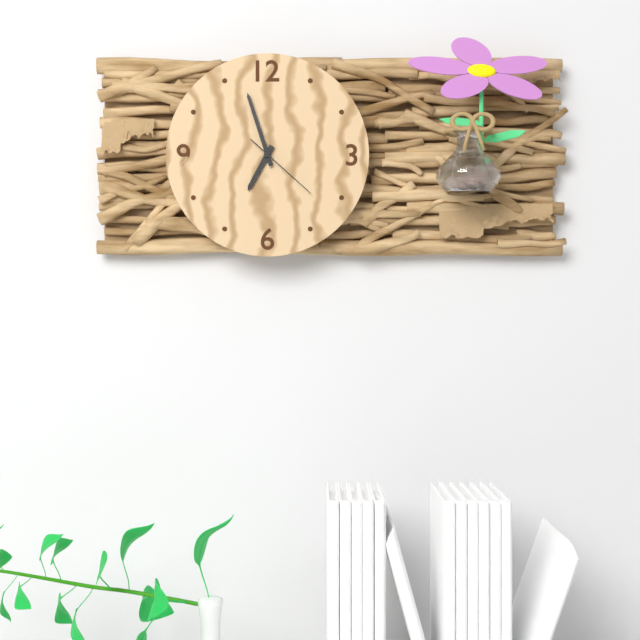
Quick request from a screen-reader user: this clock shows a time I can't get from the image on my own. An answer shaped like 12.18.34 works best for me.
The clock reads 6.57.22
